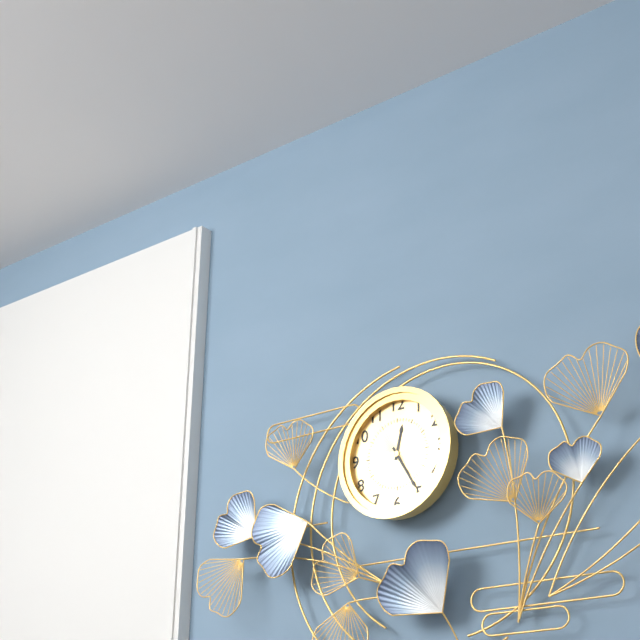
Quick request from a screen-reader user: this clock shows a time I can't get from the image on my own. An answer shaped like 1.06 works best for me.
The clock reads 12.25
